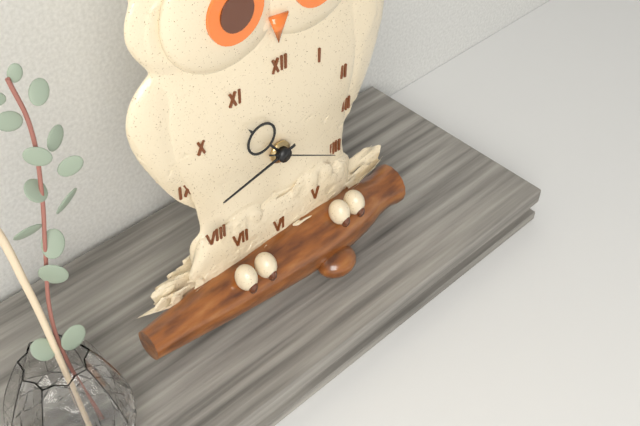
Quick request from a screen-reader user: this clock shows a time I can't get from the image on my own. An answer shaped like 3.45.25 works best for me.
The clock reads 10.43.20
